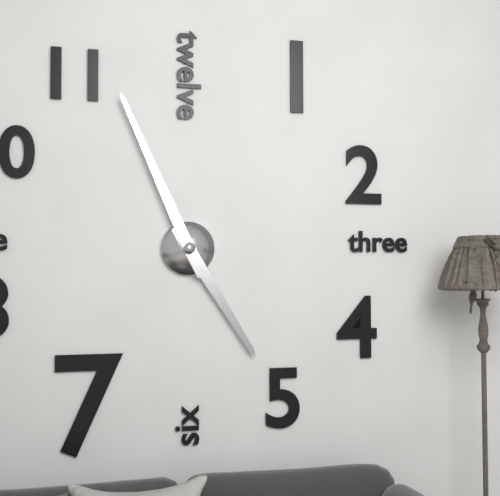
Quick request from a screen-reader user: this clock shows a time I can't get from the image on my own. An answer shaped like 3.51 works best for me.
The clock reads 4.56
